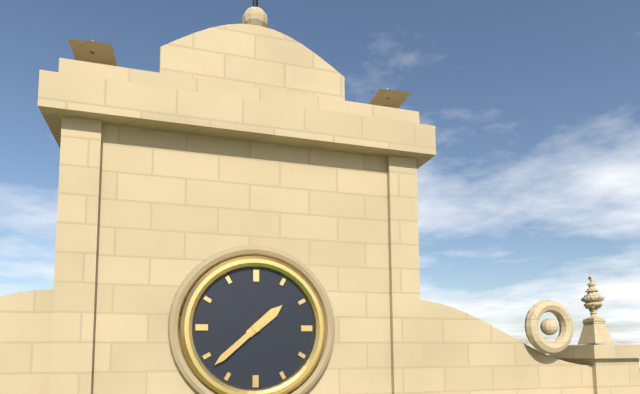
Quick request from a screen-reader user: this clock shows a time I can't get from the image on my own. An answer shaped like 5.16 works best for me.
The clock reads 1.38
